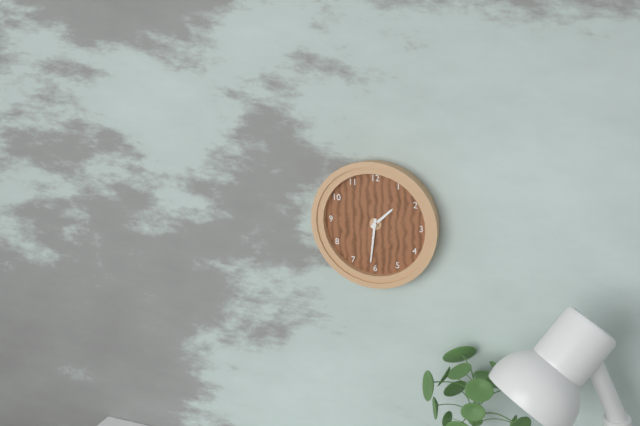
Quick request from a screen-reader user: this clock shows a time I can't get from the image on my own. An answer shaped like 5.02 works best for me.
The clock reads 1.31
